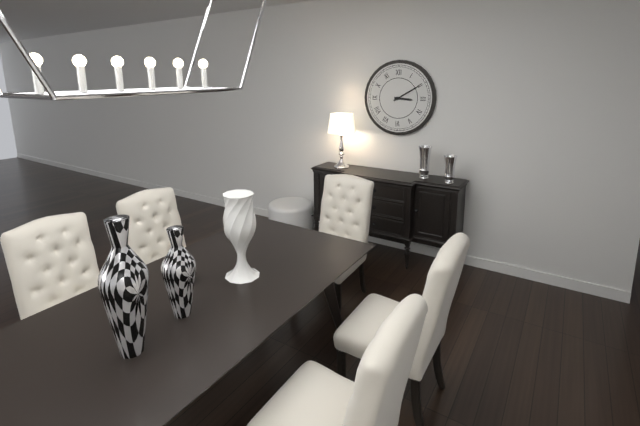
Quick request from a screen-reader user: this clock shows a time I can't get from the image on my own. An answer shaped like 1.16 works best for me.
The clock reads 3.10
